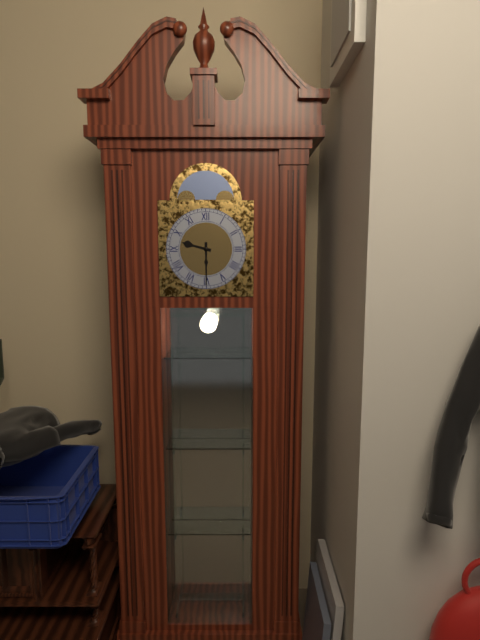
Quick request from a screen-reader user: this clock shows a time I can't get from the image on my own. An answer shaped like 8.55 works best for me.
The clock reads 9.30
